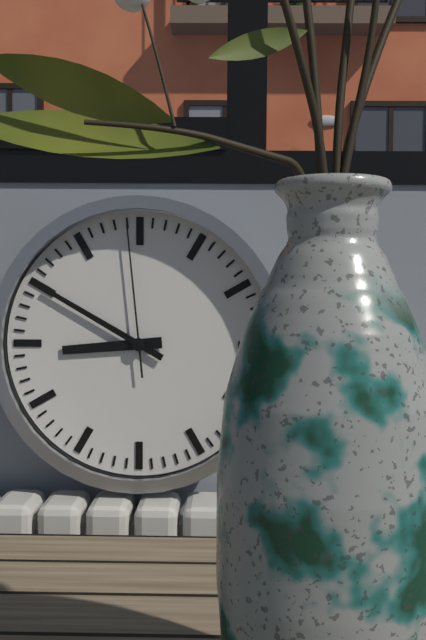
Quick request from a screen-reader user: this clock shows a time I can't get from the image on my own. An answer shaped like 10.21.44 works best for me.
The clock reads 8.50.59
